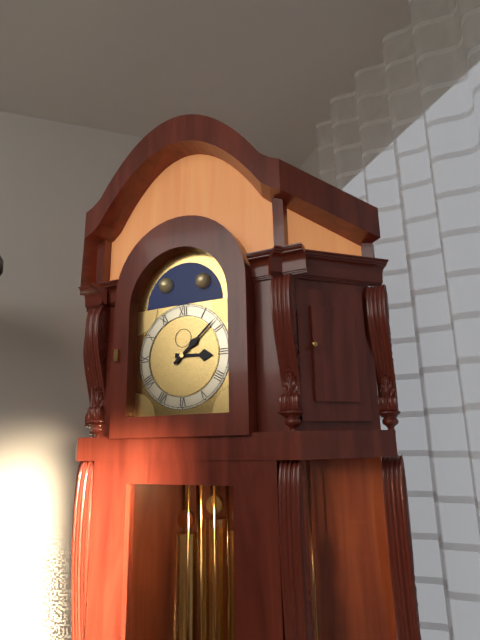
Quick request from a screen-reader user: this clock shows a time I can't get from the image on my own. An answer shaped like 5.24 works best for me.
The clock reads 3.08
